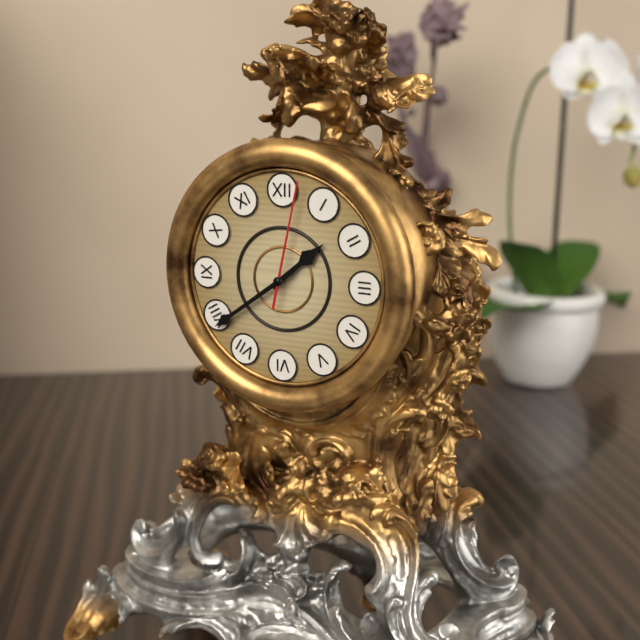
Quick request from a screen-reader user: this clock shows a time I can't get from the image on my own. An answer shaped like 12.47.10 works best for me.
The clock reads 1.39.02
